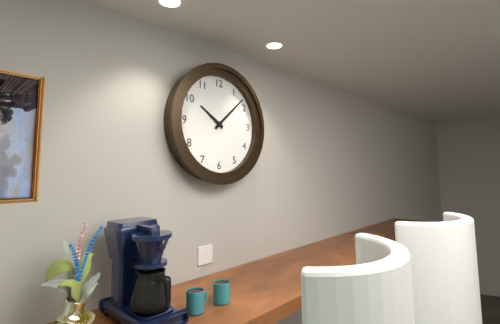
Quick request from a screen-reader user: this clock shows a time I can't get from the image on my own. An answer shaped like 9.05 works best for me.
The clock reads 10.08
